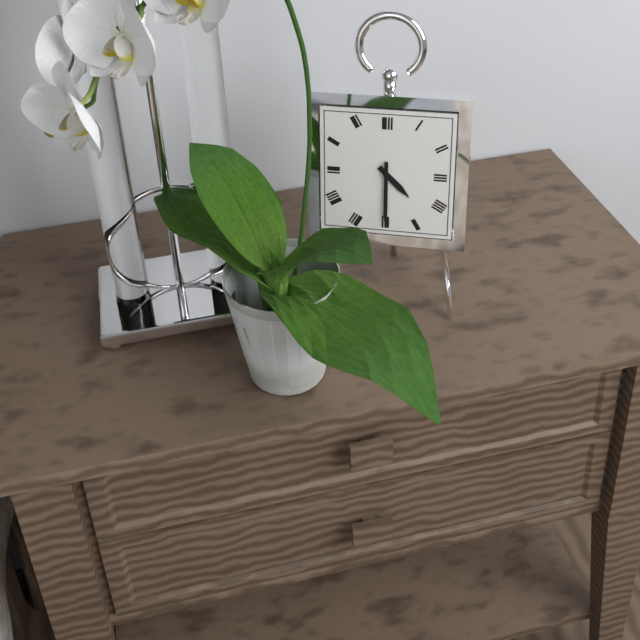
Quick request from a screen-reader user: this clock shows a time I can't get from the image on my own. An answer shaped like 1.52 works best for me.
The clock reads 4.30
